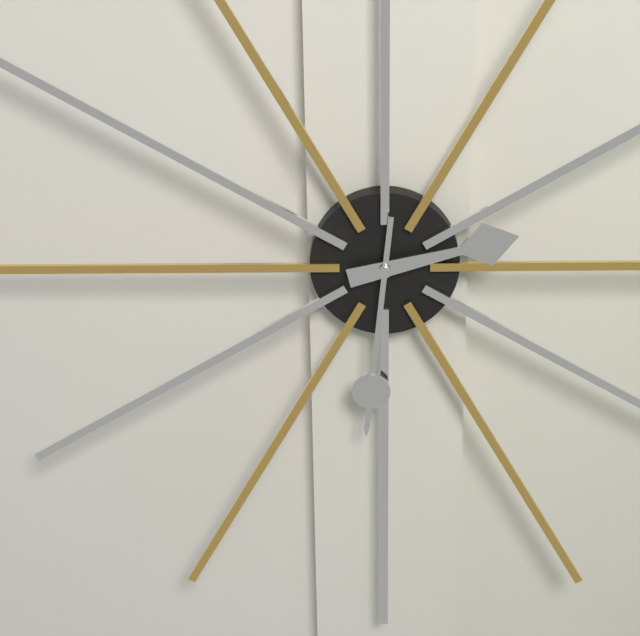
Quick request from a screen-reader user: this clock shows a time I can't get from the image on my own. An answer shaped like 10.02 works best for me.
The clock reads 2.31
